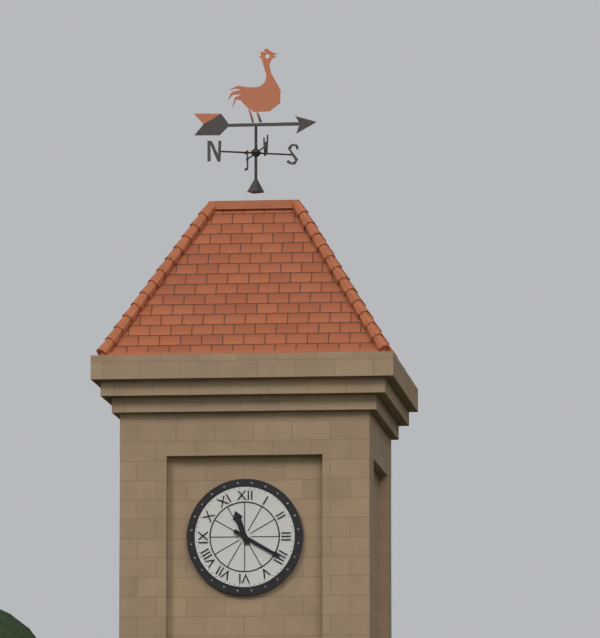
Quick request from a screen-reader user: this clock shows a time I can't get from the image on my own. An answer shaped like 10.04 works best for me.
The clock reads 11.20
